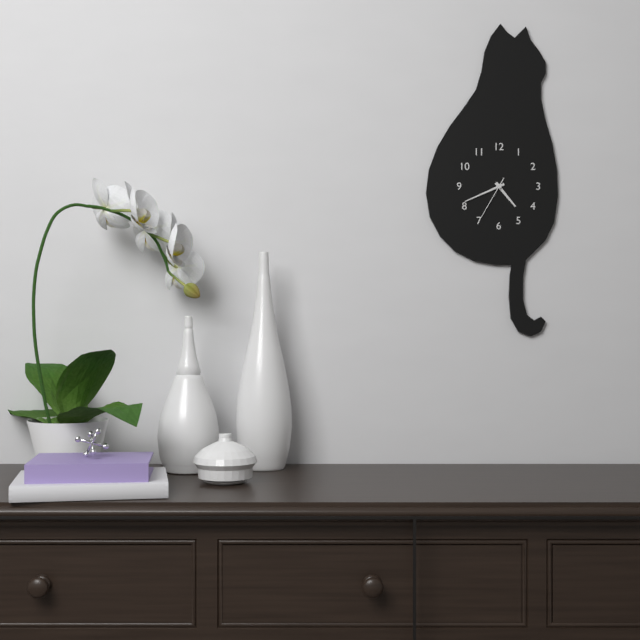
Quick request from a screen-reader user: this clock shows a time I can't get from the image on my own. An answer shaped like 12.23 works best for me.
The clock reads 4.41
